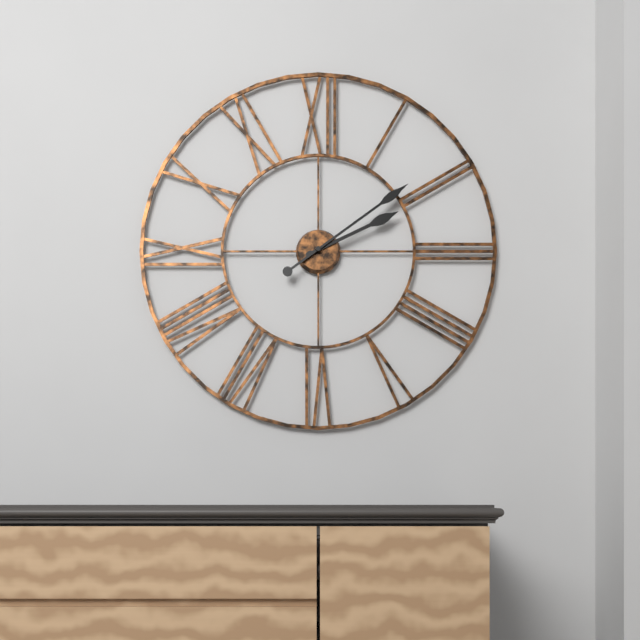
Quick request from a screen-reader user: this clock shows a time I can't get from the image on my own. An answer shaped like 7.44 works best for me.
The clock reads 2.09
